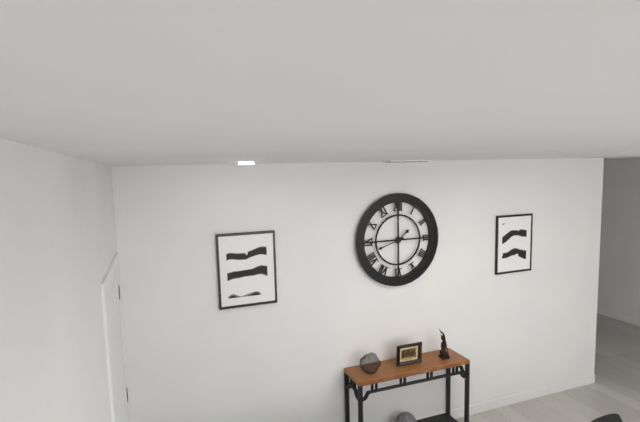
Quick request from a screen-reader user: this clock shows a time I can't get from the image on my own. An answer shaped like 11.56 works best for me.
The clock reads 1.42
